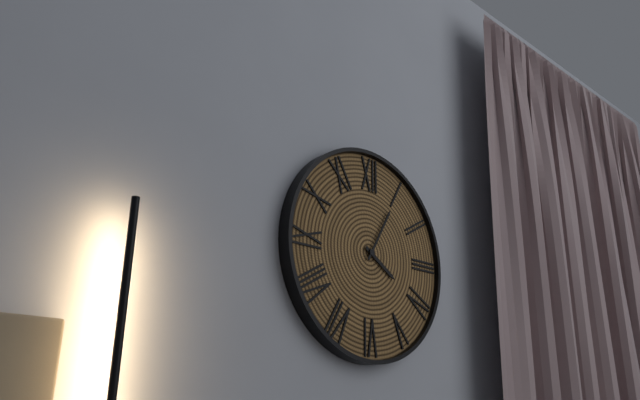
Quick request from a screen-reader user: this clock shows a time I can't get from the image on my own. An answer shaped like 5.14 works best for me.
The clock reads 4.05
